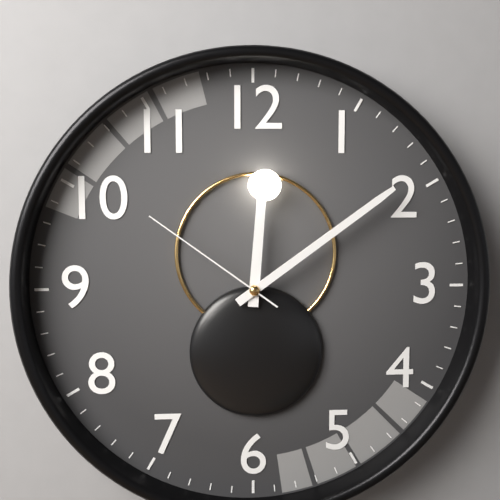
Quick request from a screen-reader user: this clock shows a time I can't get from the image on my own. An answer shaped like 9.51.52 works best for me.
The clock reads 12.09.51
